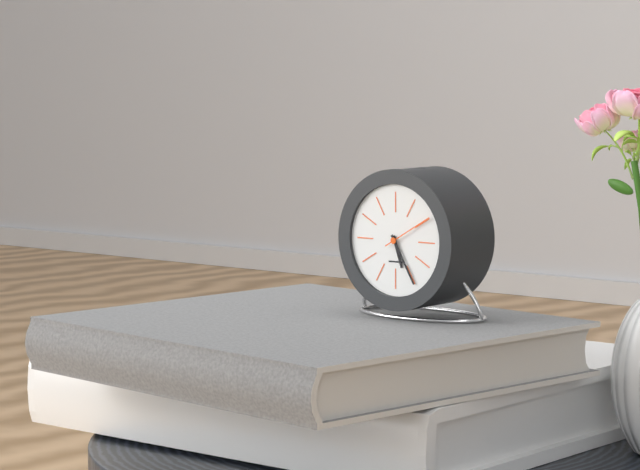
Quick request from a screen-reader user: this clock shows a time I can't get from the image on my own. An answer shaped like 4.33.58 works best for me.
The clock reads 5.25.10
